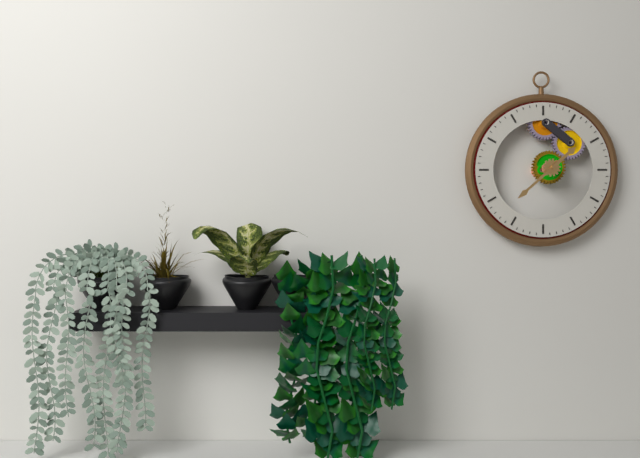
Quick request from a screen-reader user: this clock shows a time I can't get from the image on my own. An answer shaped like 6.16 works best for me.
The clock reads 1.38
